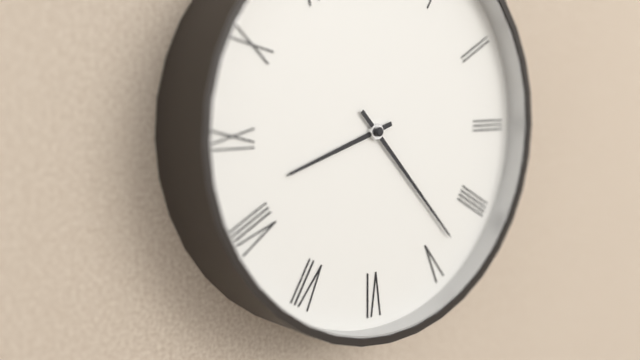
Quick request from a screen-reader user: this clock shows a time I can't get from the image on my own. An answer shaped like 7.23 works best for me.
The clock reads 8.23
